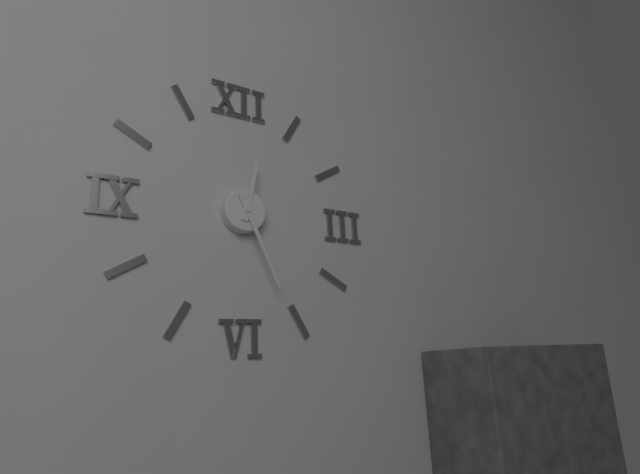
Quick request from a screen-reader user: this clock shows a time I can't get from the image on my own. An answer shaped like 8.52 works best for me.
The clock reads 12.26
